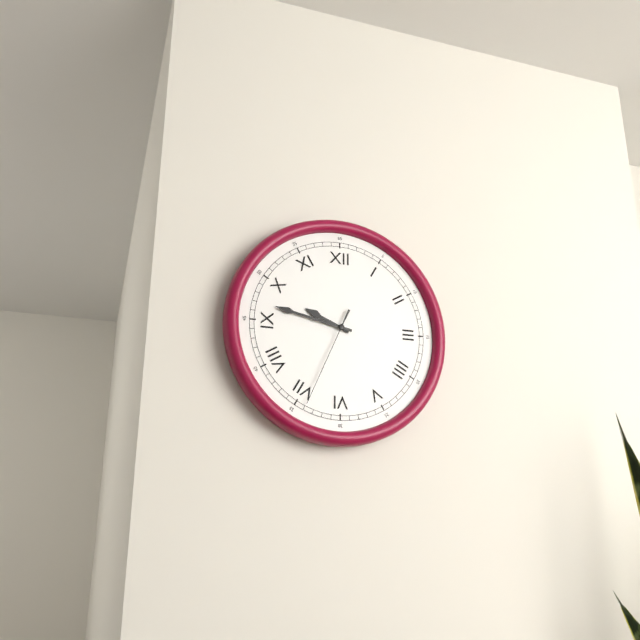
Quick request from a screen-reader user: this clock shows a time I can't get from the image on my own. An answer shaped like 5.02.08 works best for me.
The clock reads 9.47.34
